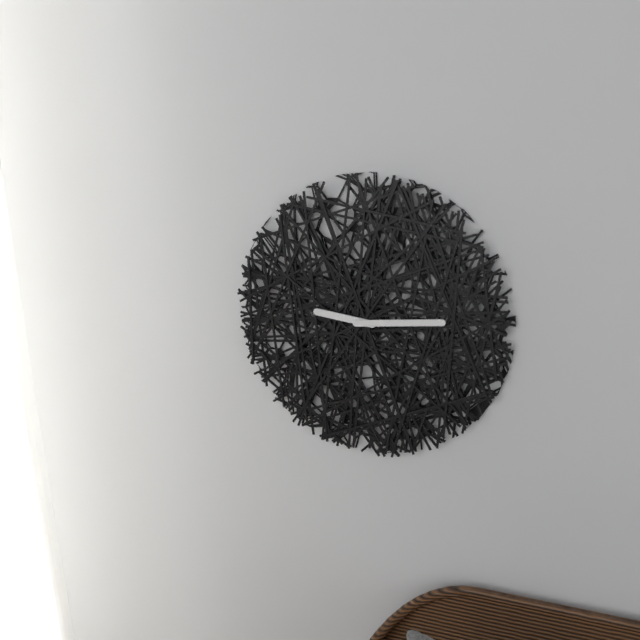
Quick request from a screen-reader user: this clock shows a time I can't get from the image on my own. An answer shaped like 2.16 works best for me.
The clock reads 9.14
